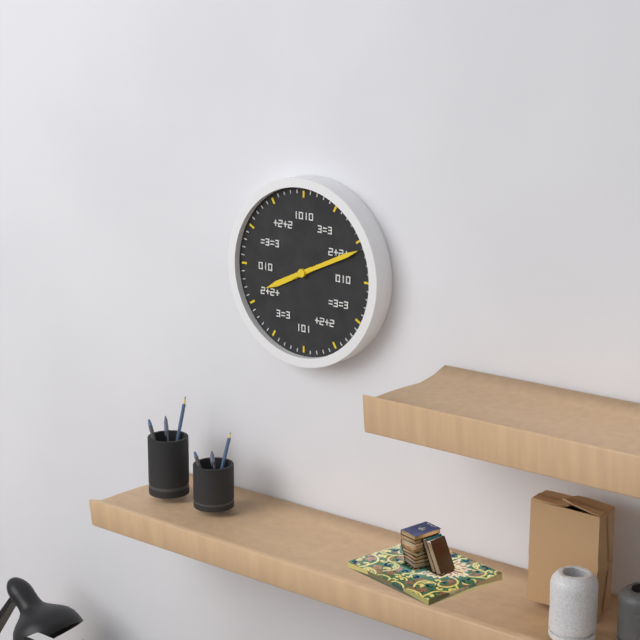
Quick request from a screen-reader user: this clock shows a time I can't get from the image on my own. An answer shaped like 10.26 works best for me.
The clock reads 8.11
